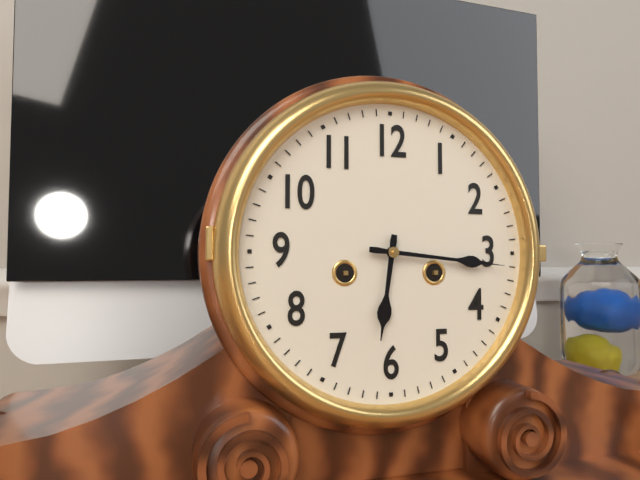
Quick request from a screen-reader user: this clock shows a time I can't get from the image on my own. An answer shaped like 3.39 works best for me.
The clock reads 6.16
